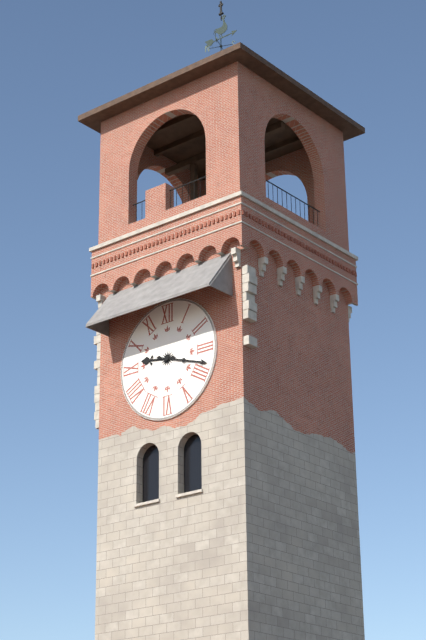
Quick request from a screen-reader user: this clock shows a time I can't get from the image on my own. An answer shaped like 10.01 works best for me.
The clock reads 9.18
